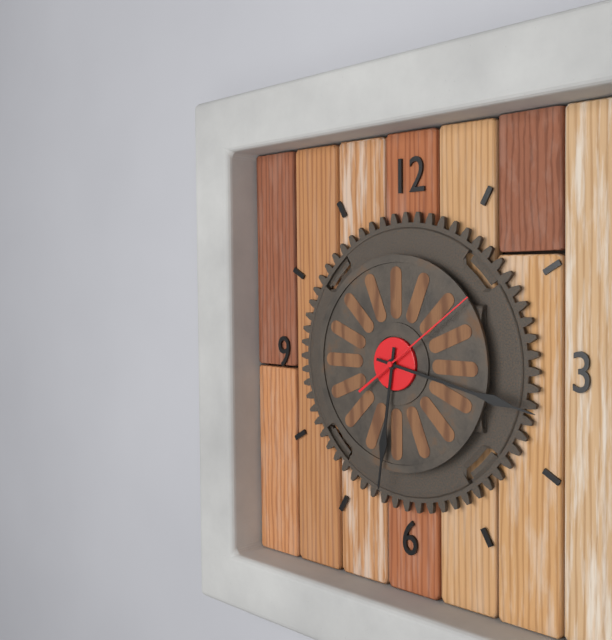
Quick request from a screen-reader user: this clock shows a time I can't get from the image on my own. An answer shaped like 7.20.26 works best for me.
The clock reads 6.17.09
